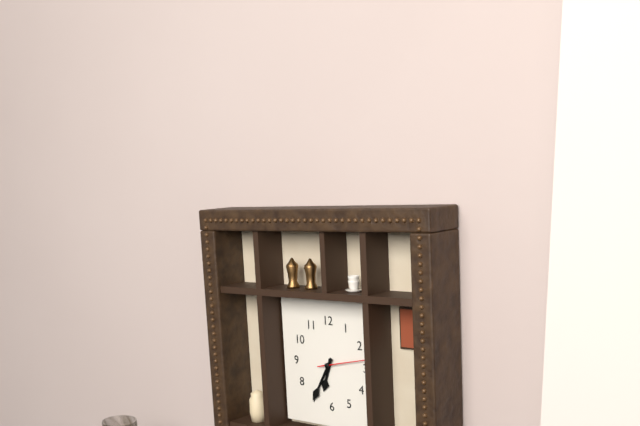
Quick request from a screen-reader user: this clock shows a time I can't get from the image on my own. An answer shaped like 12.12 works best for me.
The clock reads 6.35
